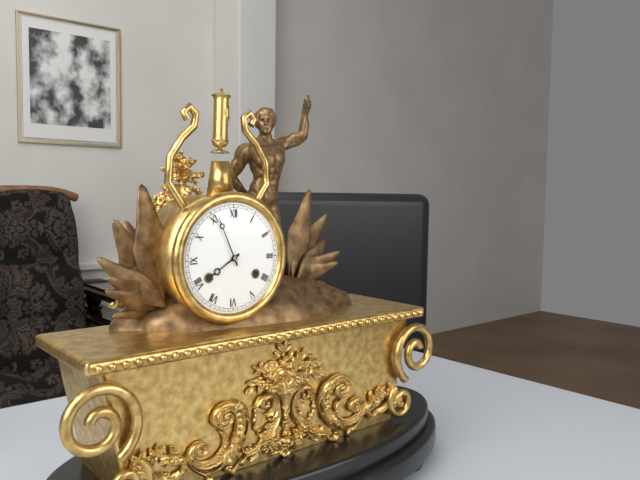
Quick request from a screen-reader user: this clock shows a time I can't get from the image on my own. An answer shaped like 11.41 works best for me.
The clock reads 7.56
